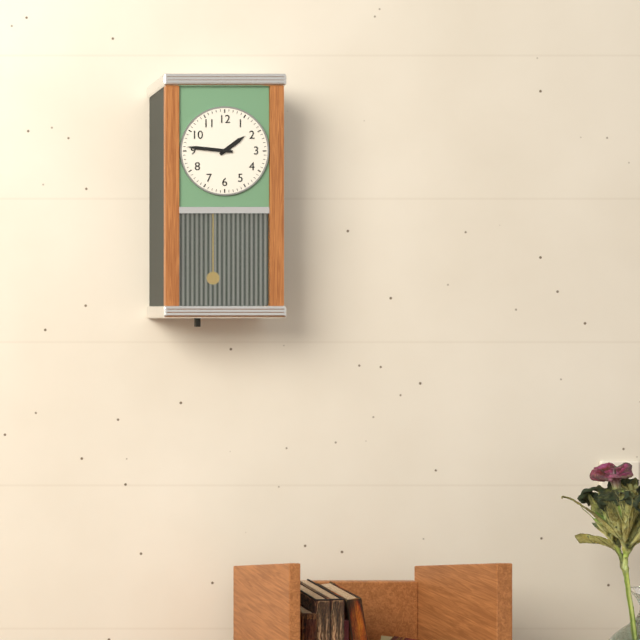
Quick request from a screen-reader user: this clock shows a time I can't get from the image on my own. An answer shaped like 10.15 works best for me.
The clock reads 1.46
